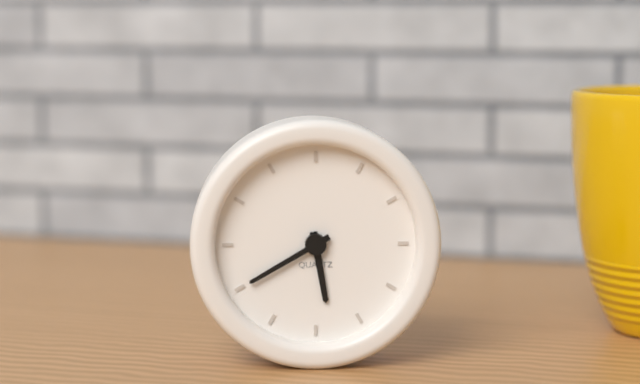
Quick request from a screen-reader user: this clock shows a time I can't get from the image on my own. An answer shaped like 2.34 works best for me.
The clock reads 5.40
